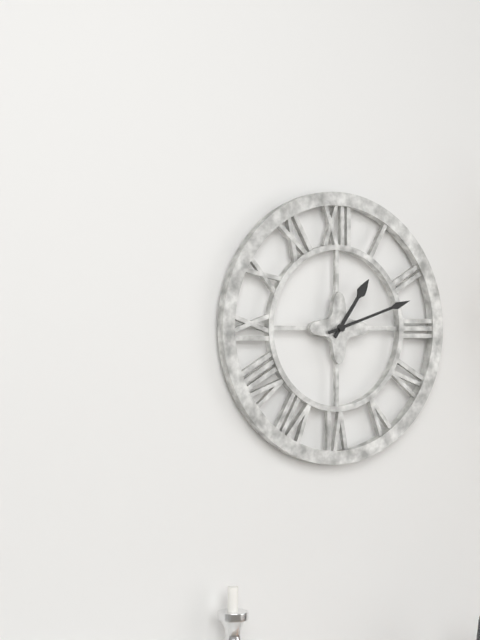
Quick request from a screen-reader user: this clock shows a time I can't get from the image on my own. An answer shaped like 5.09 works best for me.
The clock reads 1.12
